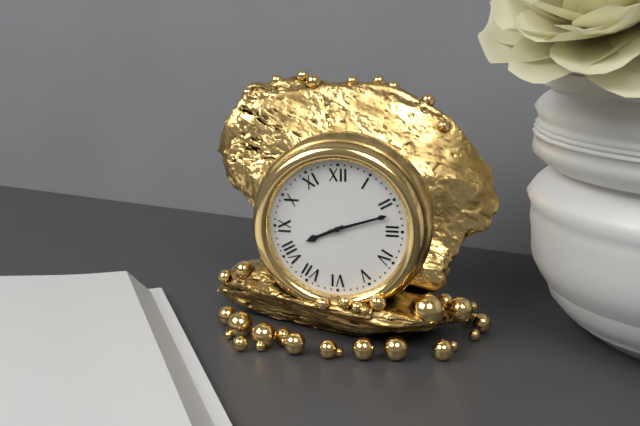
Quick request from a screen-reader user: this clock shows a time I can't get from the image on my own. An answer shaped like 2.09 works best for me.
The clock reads 8.12
